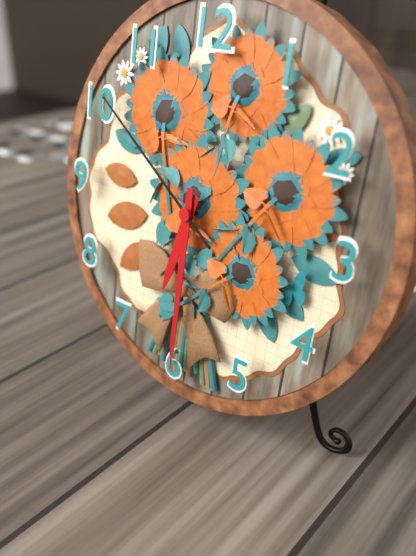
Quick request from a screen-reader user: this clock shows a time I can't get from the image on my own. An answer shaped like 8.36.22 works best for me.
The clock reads 6.30.51
